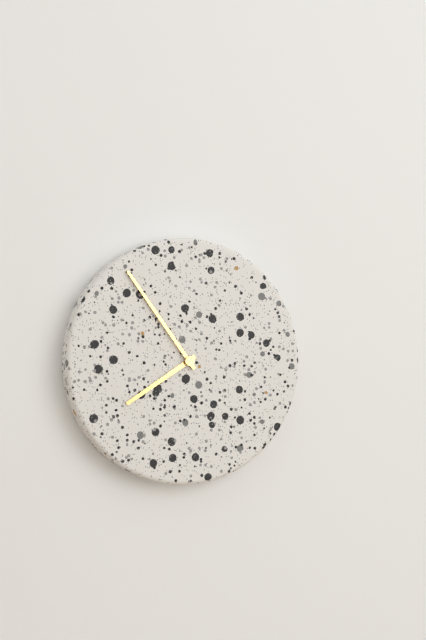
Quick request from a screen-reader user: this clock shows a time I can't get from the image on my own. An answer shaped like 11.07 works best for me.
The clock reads 7.54
